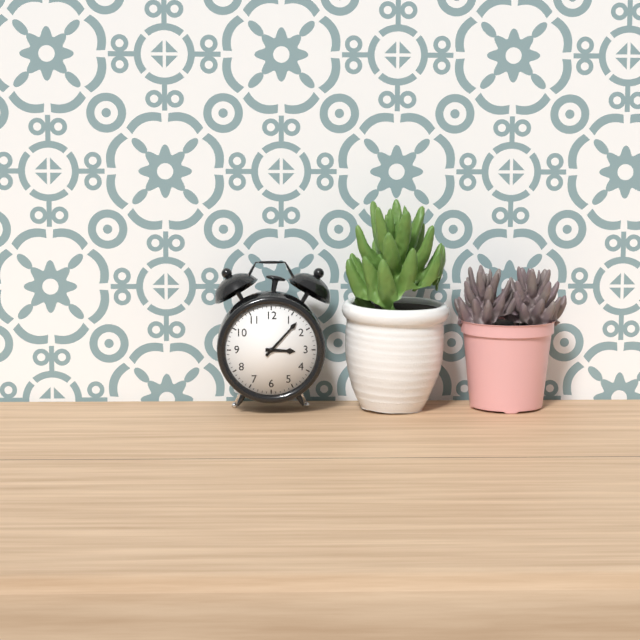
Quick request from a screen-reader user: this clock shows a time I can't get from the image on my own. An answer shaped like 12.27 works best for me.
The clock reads 3.07
